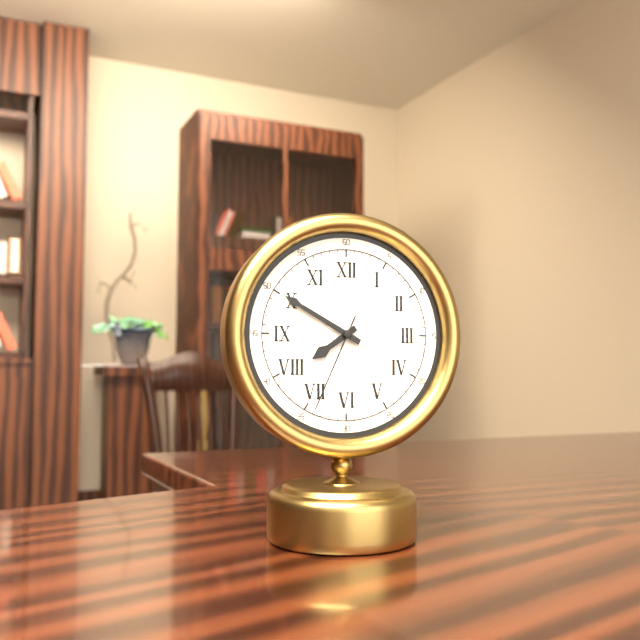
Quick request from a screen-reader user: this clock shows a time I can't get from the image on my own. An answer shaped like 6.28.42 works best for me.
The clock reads 7.50.34
